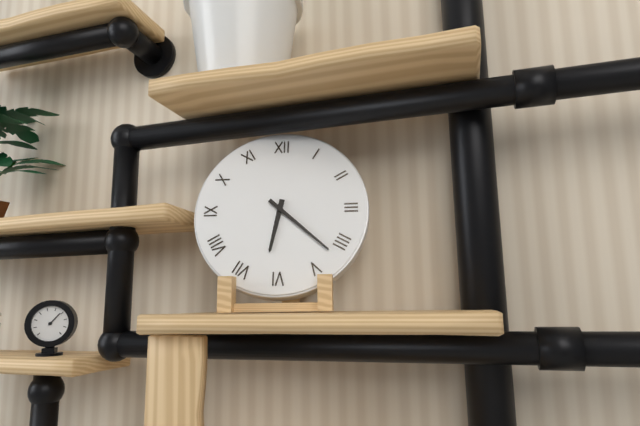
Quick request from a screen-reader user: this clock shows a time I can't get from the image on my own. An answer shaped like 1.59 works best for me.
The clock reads 6.22
